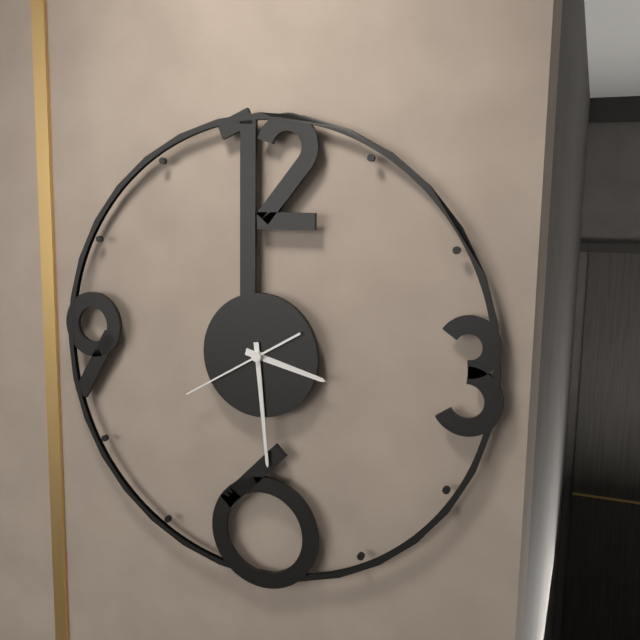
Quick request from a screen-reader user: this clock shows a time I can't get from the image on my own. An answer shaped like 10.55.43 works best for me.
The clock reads 3.29.40
